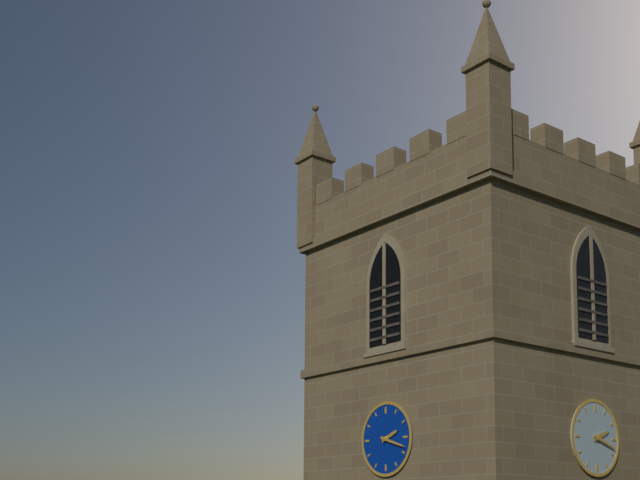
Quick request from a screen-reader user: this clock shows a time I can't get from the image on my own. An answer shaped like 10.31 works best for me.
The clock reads 2.18
